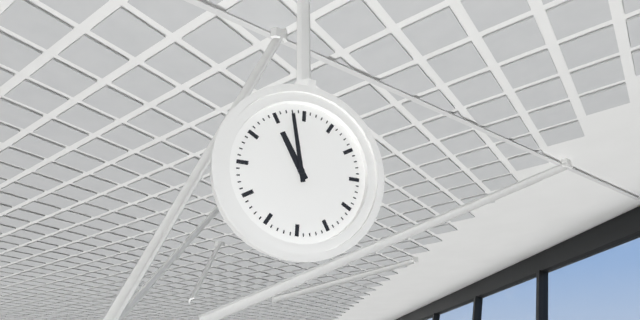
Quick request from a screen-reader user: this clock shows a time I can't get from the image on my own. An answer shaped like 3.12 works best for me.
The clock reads 10.58
